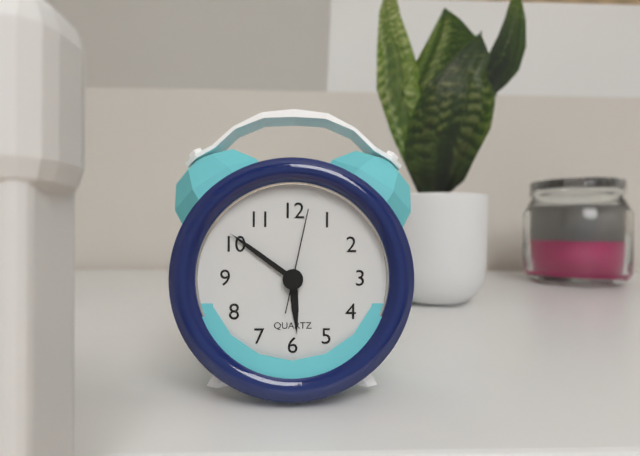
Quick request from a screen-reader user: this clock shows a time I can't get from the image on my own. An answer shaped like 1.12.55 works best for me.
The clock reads 5.51.02
